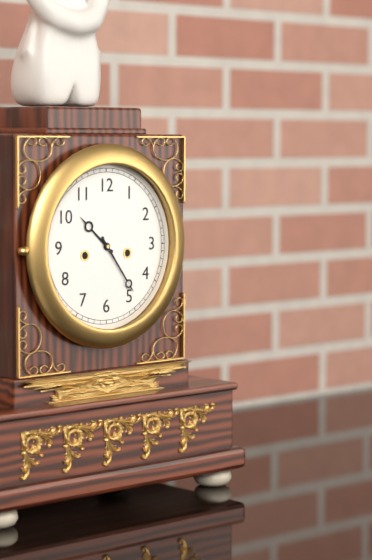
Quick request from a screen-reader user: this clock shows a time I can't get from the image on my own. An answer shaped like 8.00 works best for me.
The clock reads 10.24
